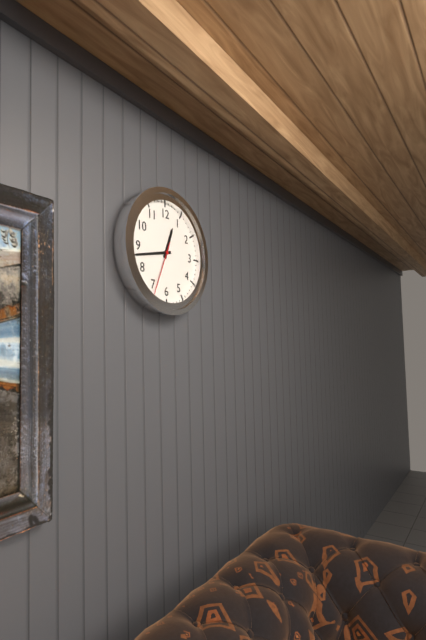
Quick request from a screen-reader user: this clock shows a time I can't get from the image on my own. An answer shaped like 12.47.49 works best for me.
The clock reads 12.43.34
